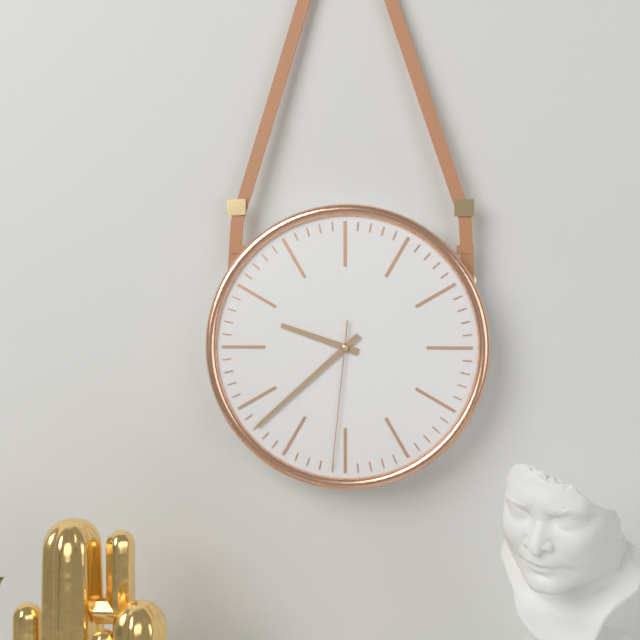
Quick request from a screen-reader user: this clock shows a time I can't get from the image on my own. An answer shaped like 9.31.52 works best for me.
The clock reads 9.38.31
